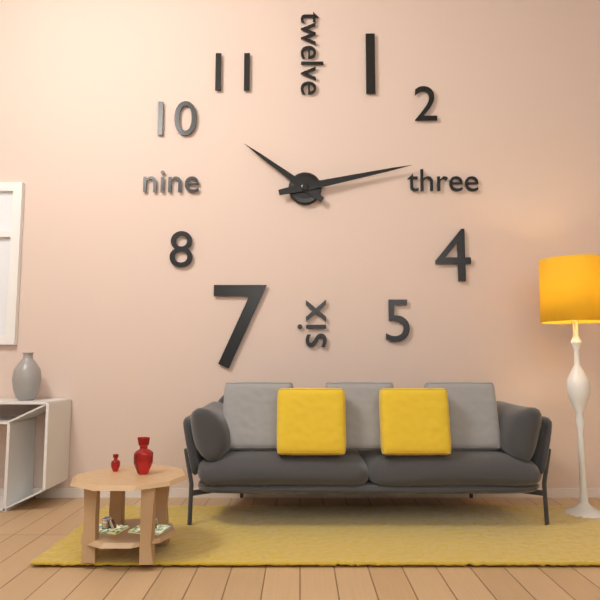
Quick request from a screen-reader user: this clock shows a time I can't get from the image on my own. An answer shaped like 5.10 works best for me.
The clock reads 10.13
